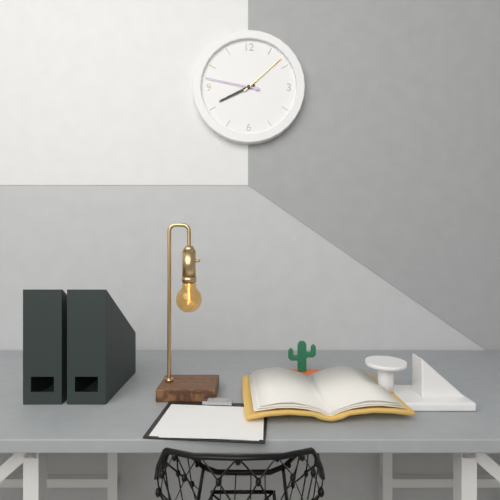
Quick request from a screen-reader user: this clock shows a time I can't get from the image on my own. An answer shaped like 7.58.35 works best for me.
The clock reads 8.08.47
